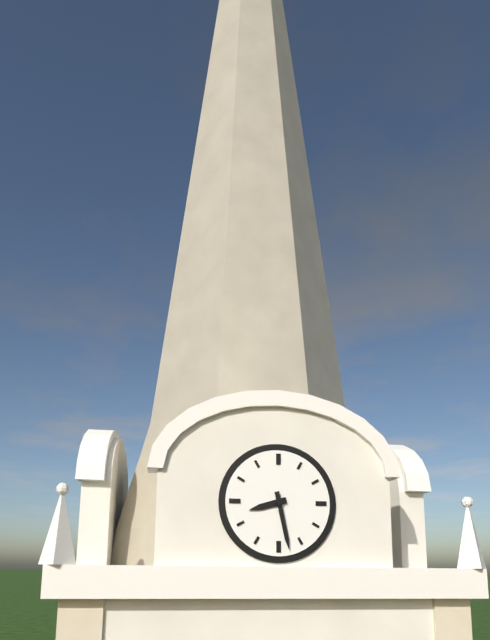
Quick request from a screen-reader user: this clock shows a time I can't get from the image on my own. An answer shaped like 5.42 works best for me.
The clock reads 8.28
